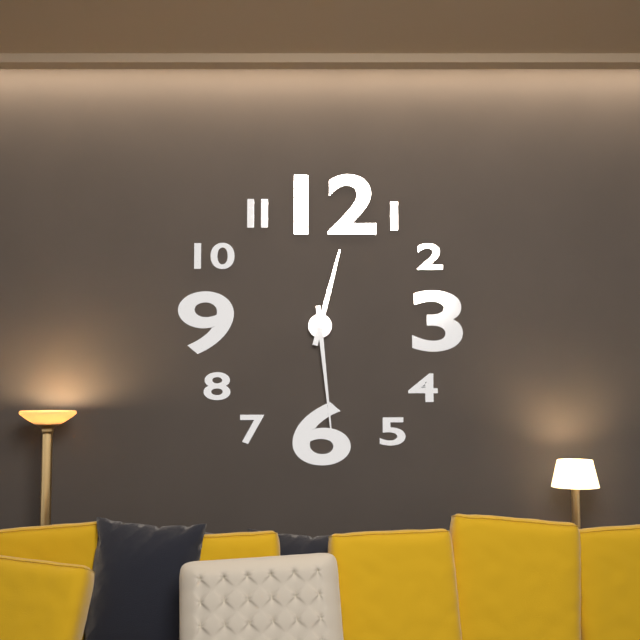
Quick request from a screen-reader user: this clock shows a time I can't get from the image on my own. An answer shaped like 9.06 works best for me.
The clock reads 12.29
